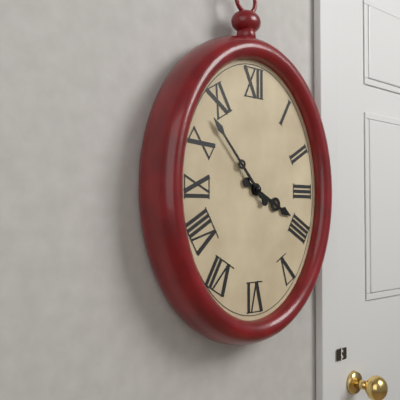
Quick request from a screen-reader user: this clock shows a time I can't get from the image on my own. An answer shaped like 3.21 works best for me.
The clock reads 3.53
